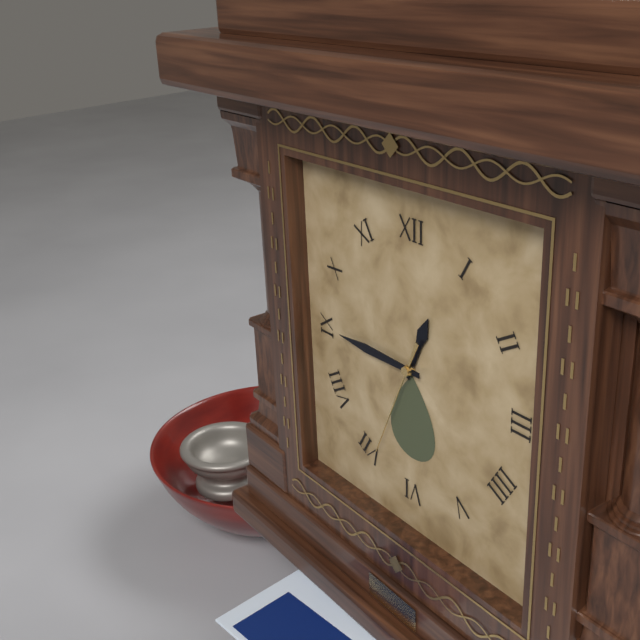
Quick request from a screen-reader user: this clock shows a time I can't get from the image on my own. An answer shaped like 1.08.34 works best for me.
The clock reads 12.45.34
